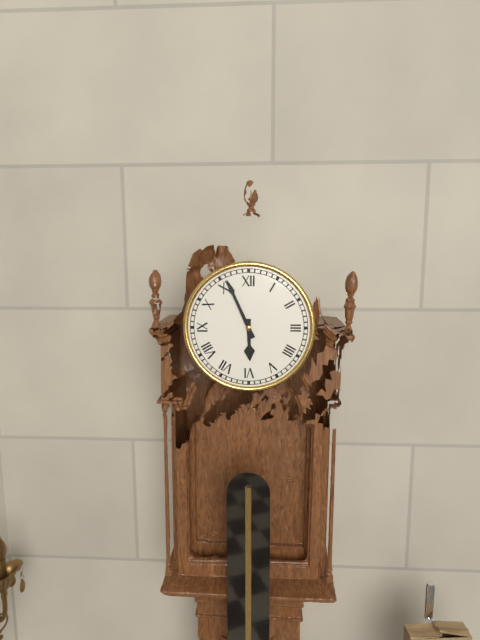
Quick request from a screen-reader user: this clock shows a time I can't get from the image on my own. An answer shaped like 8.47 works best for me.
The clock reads 5.56
